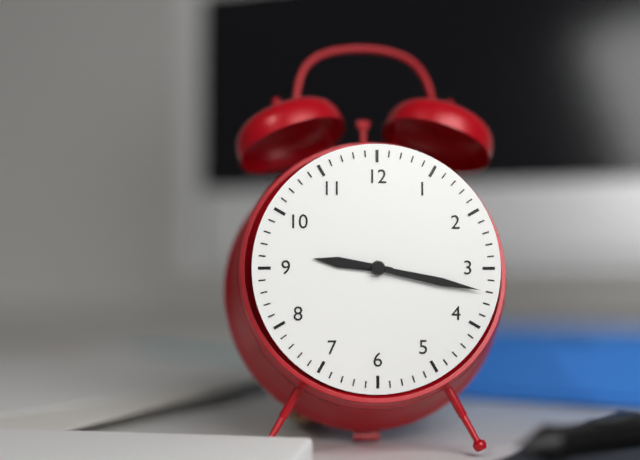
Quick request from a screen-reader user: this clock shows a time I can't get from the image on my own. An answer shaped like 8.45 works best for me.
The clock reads 9.17
